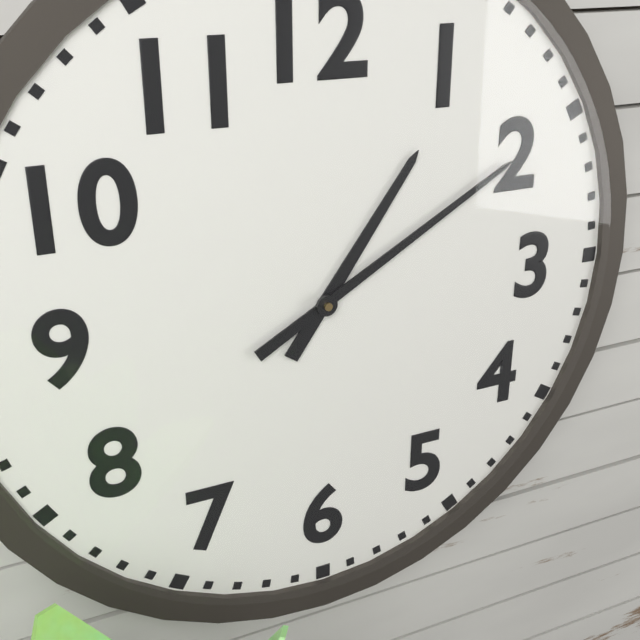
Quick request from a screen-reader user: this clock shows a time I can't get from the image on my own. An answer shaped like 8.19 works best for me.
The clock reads 1.10
